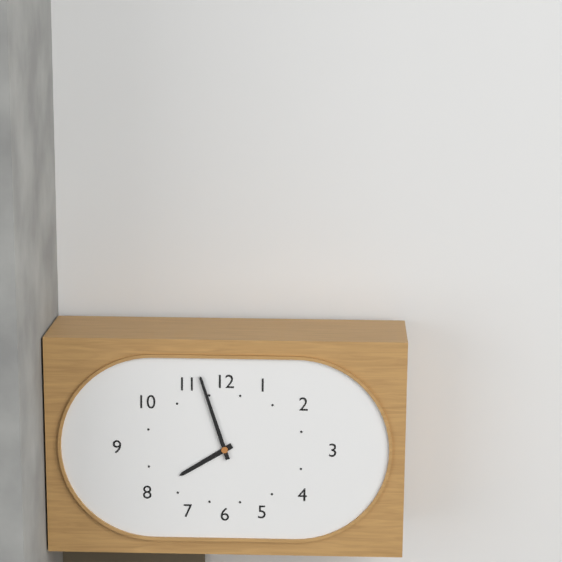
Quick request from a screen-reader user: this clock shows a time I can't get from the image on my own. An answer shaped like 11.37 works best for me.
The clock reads 7.57
